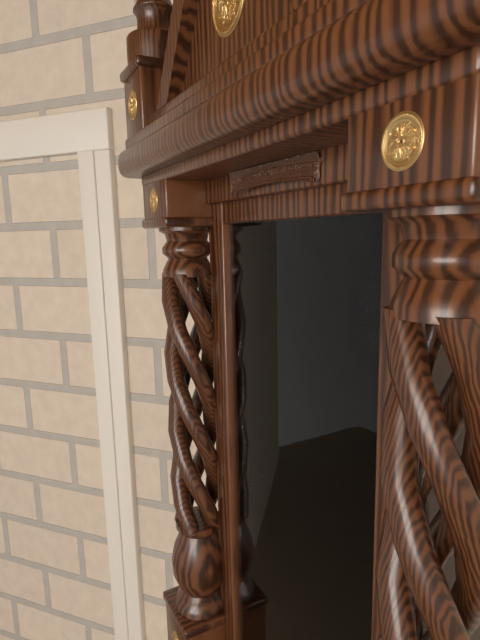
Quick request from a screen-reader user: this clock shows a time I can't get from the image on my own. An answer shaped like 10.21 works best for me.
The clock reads 12.25
